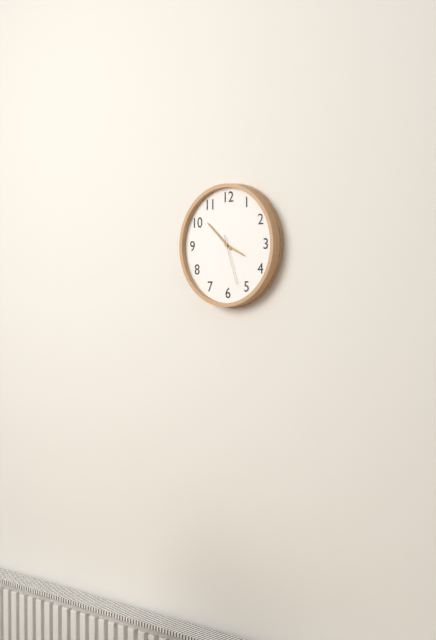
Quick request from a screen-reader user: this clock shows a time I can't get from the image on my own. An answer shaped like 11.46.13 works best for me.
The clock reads 3.52.27
